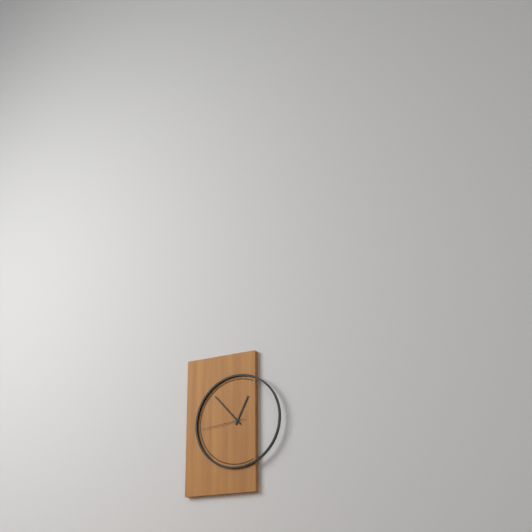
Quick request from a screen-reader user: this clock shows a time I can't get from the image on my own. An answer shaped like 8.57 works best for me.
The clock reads 12.53
